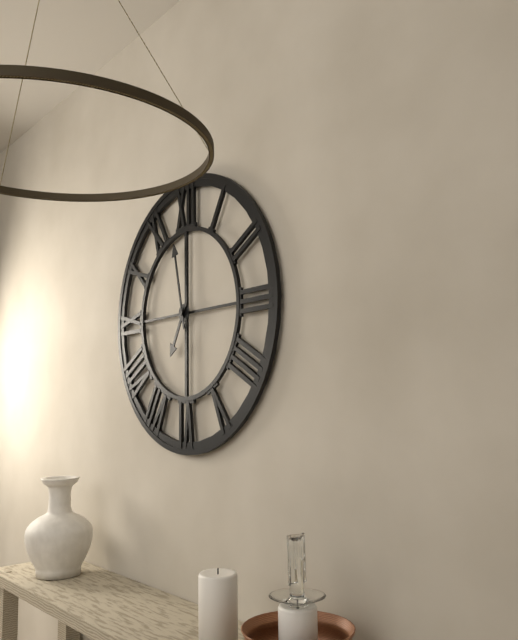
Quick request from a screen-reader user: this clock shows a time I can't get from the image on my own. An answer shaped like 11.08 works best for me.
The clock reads 6.58
